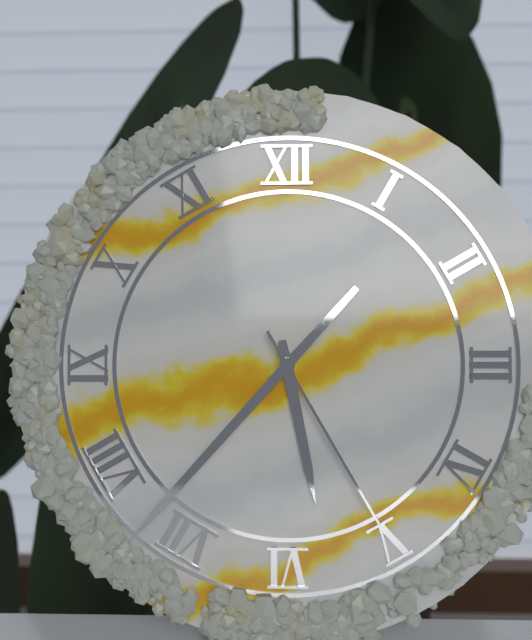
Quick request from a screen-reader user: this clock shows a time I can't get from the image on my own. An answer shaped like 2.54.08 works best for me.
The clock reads 5.37.25
